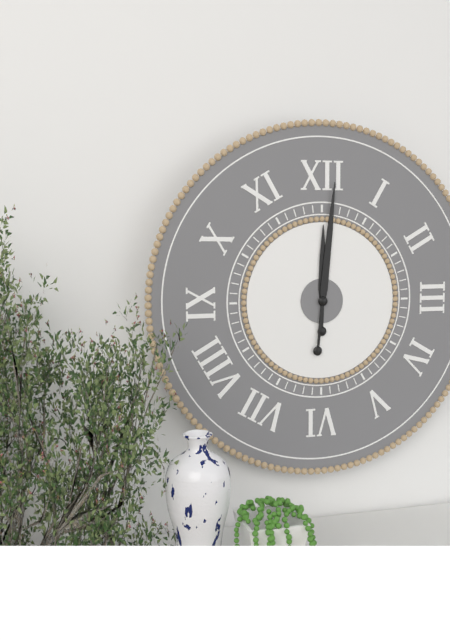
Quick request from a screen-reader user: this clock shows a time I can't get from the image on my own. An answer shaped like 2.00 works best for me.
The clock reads 12.01
